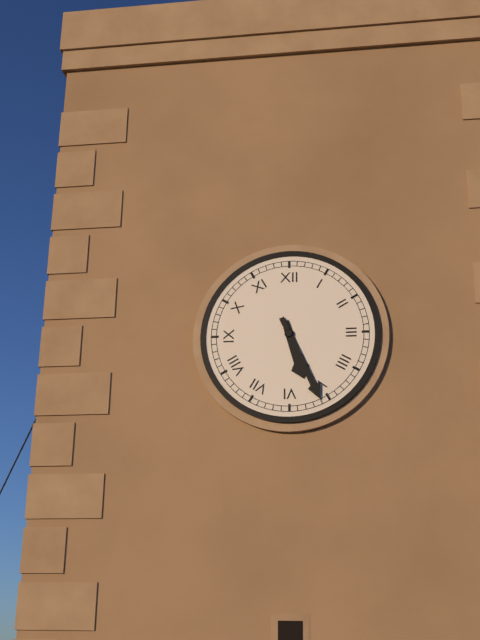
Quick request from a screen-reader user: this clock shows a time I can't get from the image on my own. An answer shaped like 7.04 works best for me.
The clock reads 5.26
